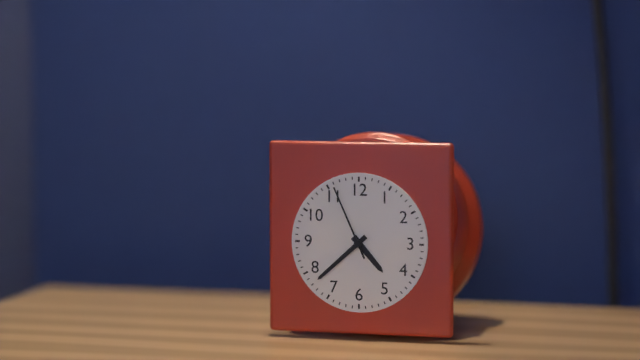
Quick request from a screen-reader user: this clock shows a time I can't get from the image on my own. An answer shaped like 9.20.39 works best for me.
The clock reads 4.38.56
